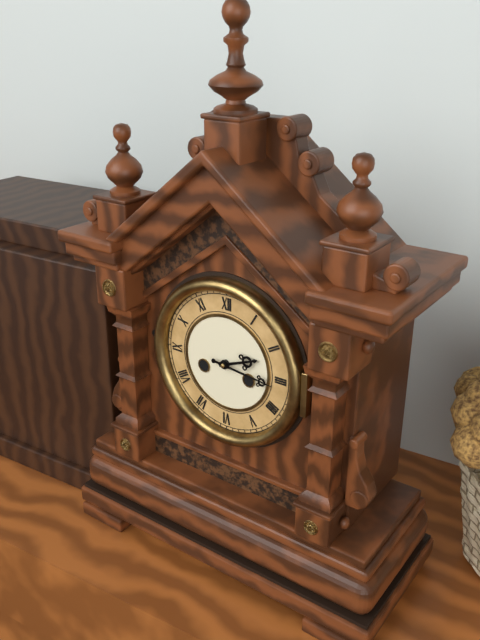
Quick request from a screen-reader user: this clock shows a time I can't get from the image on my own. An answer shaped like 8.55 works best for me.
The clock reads 2.16
